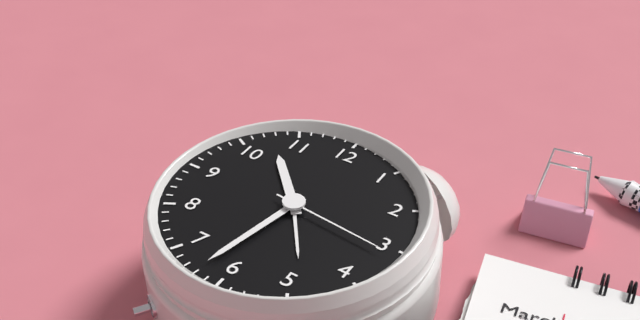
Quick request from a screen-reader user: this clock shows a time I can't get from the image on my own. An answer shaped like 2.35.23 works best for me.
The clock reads 10.32.16
